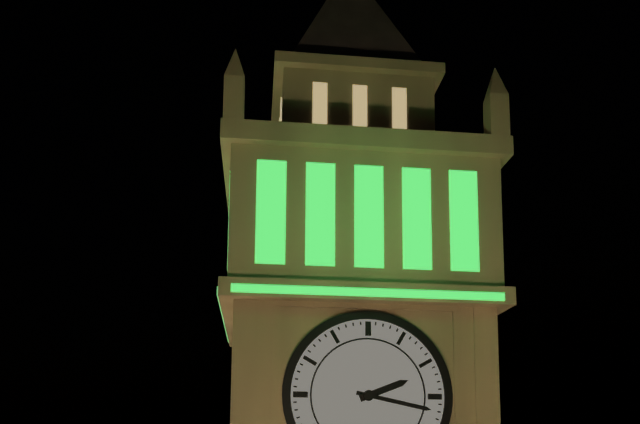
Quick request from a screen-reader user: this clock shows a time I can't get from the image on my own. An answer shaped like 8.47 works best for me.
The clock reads 2.17
